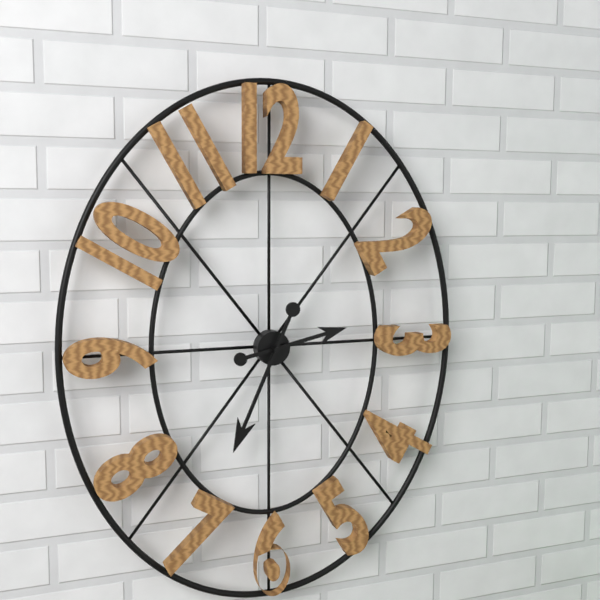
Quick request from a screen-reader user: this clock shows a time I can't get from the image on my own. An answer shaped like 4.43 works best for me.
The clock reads 2.34
